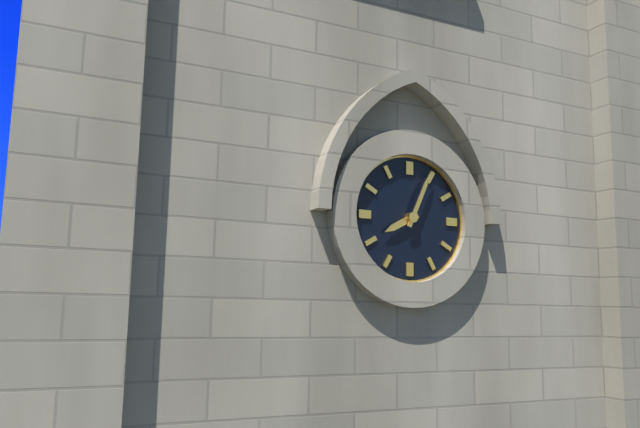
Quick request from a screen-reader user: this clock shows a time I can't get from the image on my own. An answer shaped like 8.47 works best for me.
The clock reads 8.04
